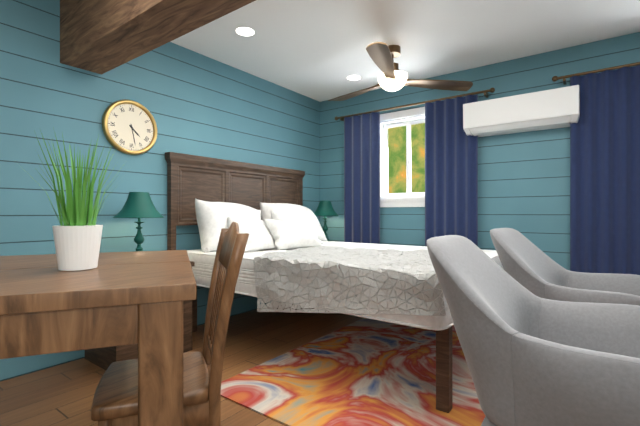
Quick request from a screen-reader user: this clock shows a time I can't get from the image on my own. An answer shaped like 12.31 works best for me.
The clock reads 4.28
